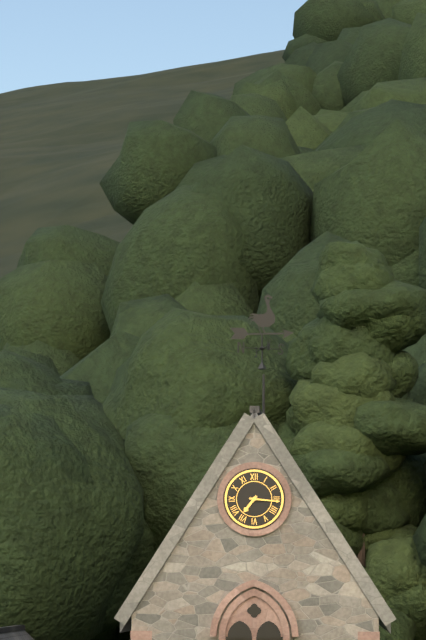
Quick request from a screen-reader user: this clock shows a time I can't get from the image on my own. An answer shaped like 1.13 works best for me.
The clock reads 7.16
